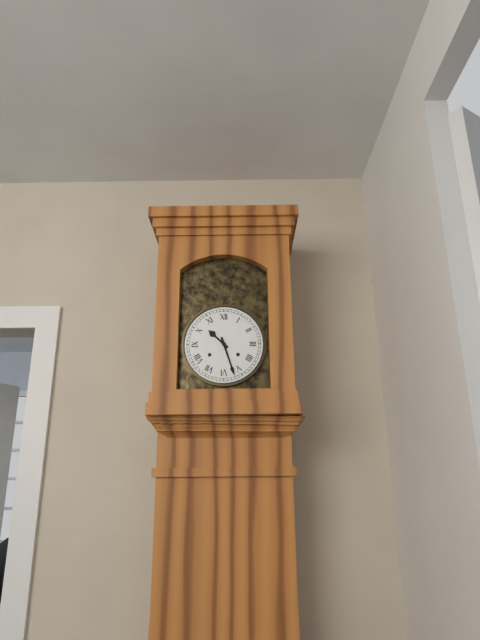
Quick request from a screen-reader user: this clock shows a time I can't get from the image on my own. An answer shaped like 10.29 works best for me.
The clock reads 10.27
